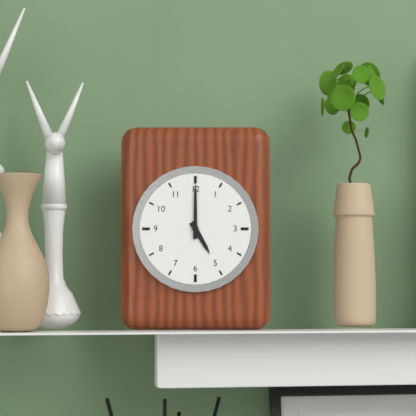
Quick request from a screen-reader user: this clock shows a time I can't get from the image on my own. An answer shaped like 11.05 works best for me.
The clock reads 5.00
